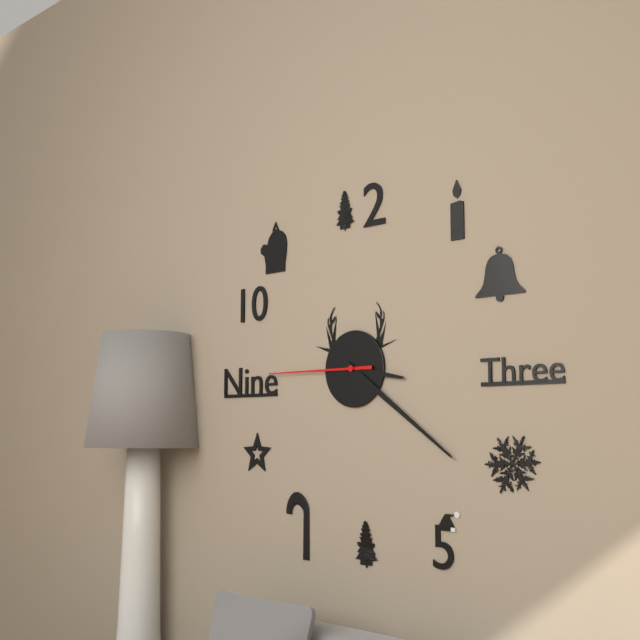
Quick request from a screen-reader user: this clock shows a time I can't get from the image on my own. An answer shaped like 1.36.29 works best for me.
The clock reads 3.21.45
